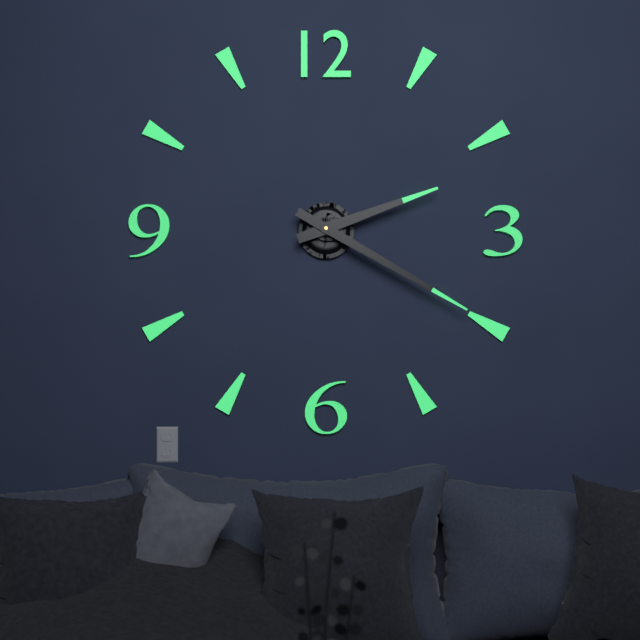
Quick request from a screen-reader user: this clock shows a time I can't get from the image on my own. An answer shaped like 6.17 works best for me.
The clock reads 2.20
